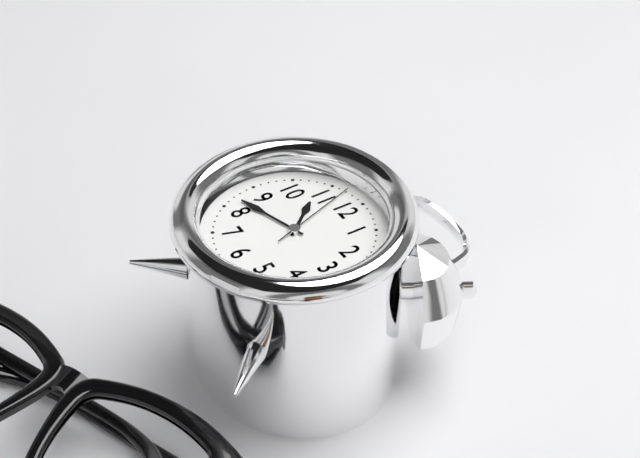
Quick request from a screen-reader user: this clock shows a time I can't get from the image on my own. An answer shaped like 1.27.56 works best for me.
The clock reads 10.42.57
